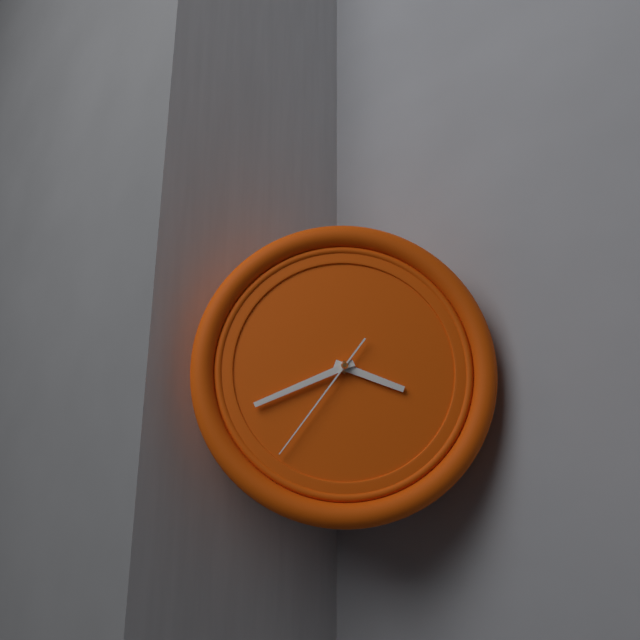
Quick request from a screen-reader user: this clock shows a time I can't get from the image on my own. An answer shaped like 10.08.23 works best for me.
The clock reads 3.41.36
